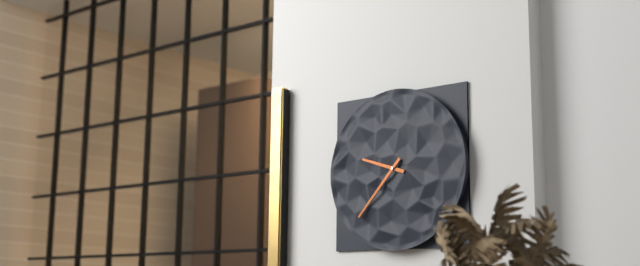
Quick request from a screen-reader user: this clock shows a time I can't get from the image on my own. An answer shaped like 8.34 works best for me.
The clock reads 9.37
